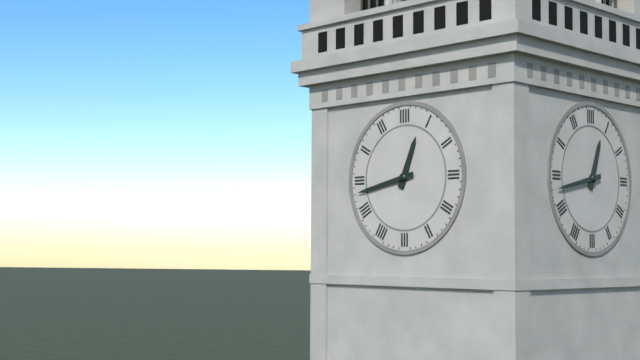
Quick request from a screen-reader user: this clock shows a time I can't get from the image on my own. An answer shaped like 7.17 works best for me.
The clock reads 12.43
